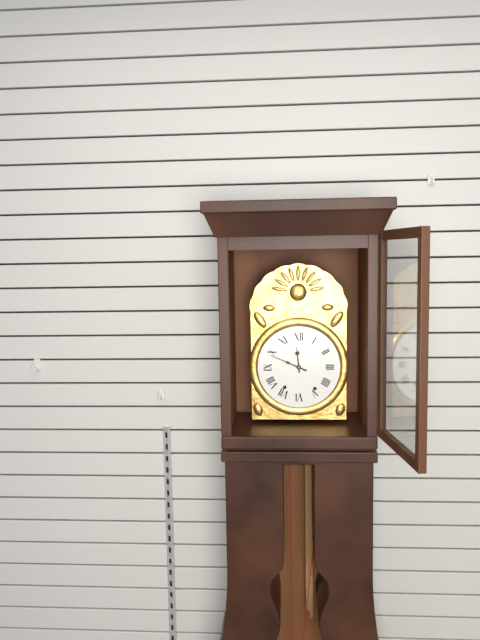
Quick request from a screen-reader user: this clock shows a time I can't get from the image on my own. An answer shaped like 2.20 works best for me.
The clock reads 11.49
